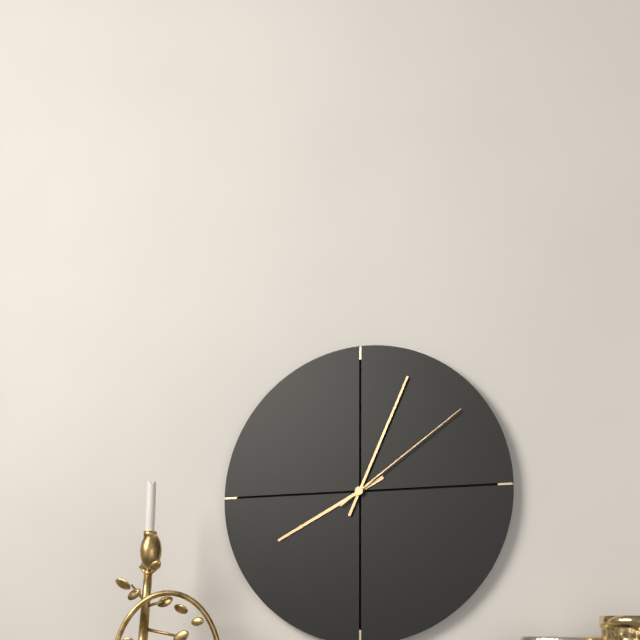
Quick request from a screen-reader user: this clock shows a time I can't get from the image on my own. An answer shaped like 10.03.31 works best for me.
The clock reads 8.04.09
